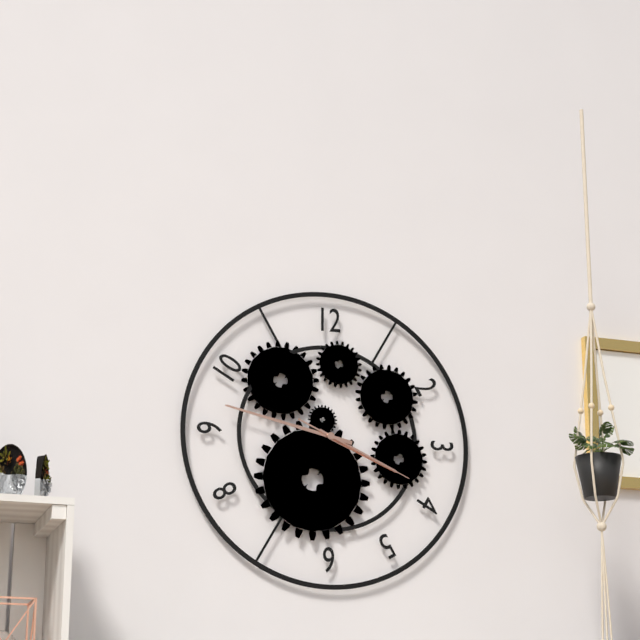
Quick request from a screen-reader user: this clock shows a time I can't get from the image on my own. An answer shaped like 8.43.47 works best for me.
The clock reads 3.47.19
